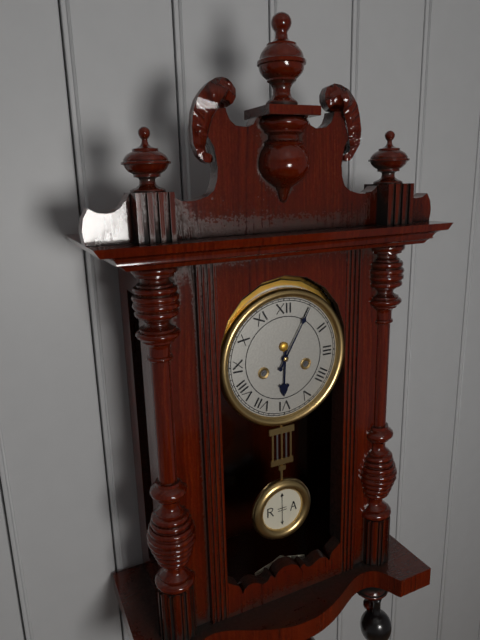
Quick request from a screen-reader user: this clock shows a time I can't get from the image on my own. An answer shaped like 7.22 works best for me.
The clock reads 6.05
